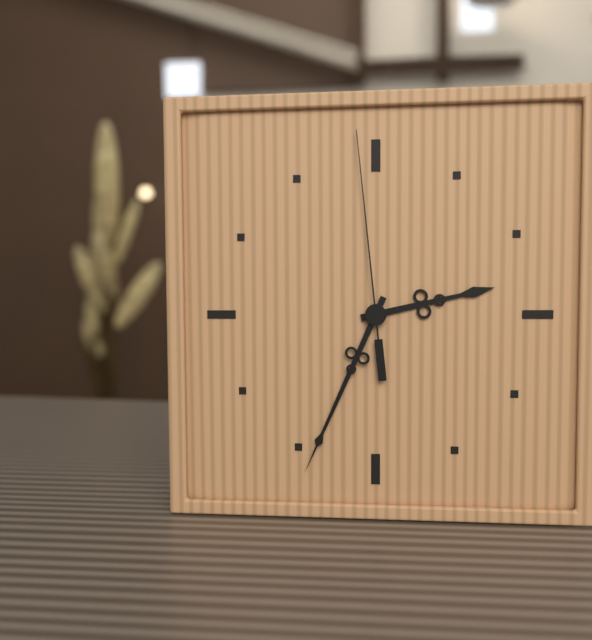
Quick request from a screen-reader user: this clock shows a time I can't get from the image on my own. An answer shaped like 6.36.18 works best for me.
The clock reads 2.34.59
